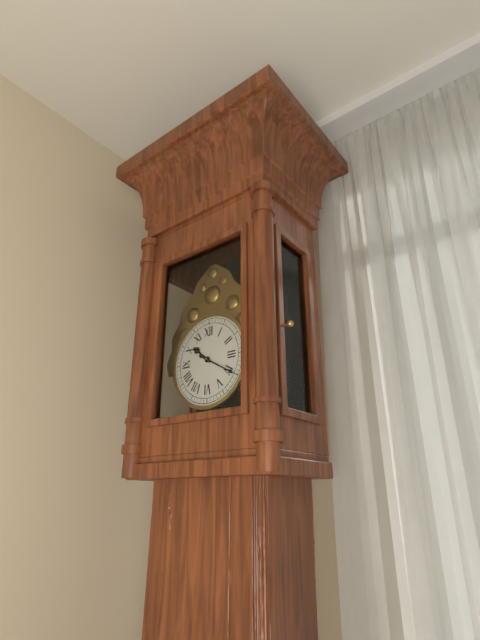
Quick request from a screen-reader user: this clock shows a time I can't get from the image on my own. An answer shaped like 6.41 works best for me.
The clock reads 10.20
